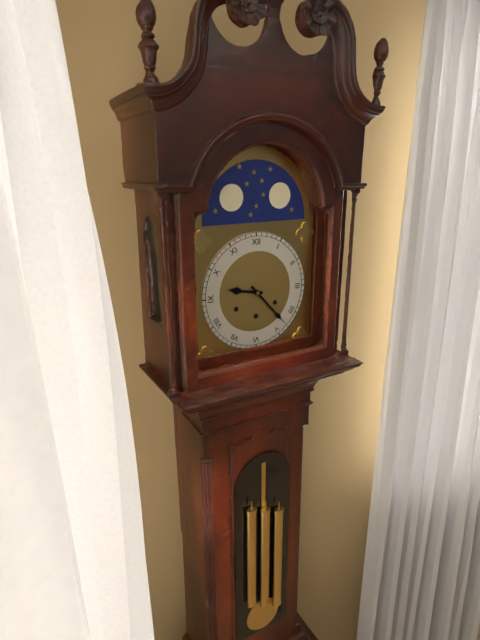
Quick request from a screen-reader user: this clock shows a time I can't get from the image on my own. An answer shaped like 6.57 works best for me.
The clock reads 9.23
